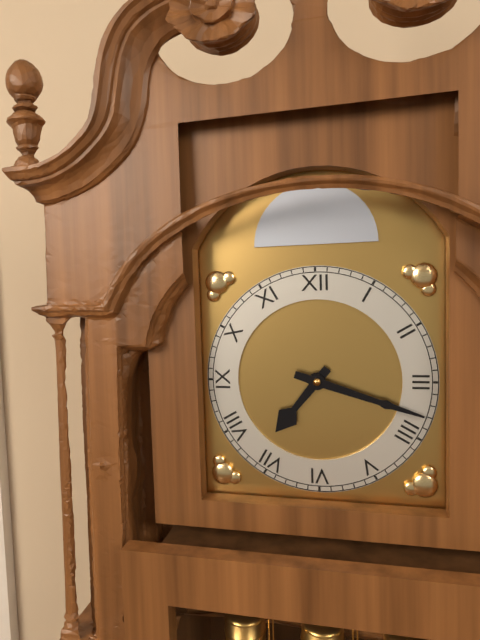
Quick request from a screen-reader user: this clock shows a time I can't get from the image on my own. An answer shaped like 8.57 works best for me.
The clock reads 7.18
